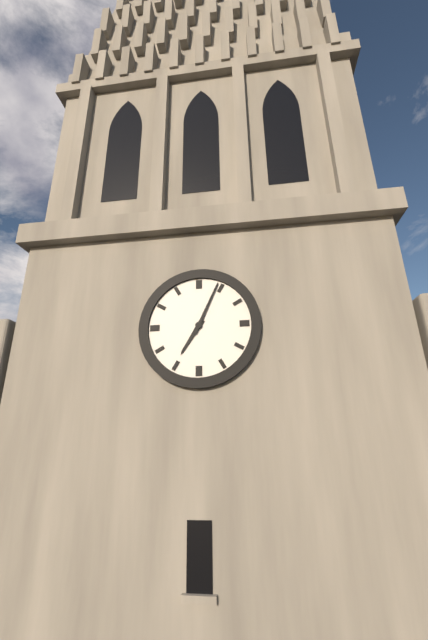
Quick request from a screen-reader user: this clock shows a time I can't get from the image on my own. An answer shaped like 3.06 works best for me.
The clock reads 7.04
